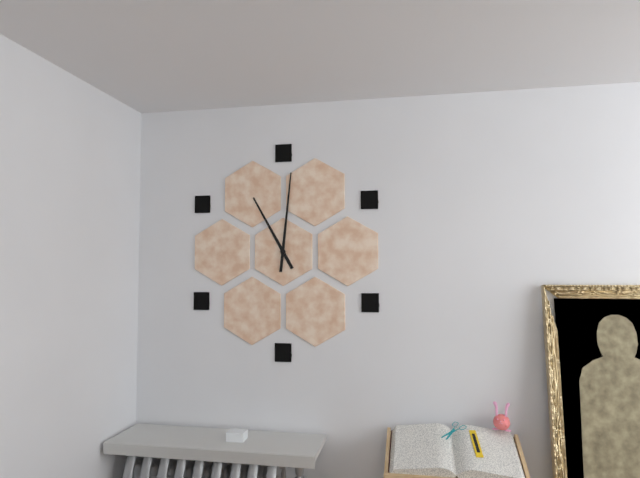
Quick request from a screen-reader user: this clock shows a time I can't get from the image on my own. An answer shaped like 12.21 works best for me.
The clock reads 11.01
